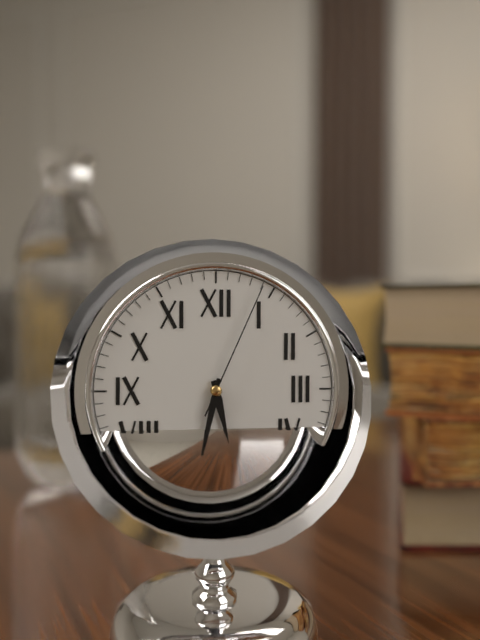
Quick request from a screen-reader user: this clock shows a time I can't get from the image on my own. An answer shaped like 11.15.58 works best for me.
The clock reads 5.32.04
